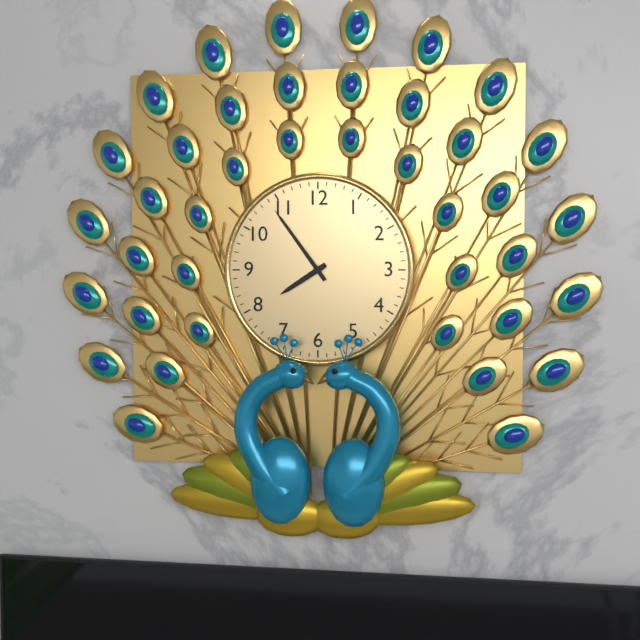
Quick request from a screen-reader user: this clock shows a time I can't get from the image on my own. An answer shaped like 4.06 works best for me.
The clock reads 7.54
